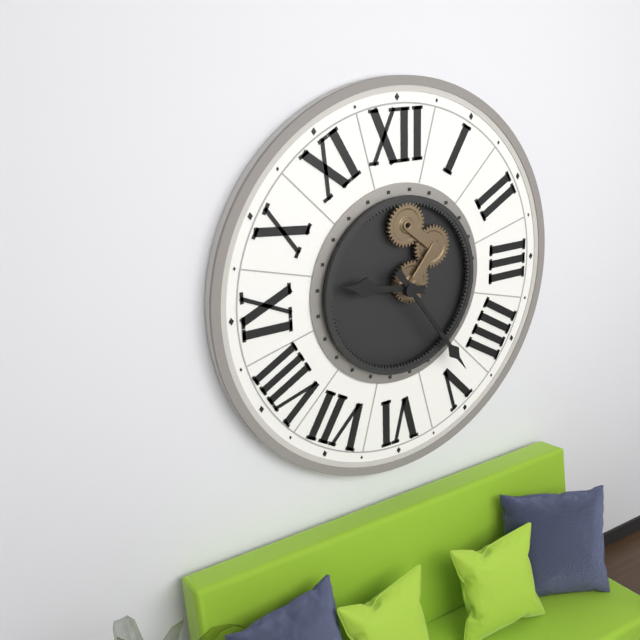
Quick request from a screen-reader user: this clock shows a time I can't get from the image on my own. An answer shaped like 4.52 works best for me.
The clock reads 9.24
